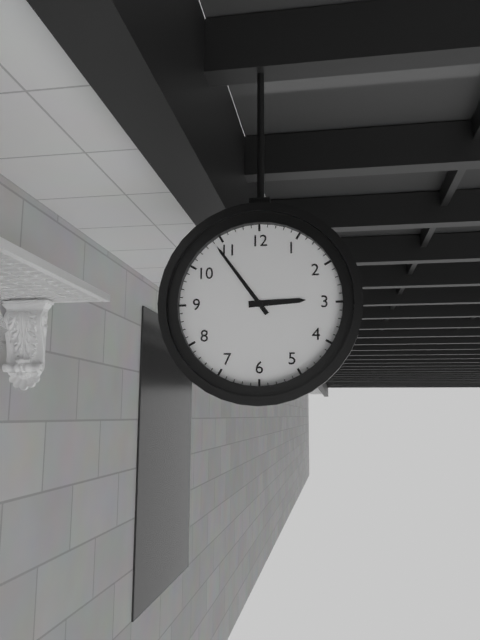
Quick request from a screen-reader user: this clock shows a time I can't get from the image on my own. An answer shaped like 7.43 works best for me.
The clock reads 2.54
